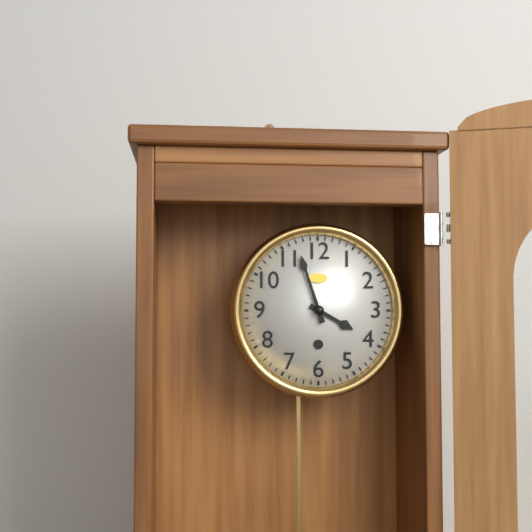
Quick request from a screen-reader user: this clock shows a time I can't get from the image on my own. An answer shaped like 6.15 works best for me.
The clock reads 3.57
